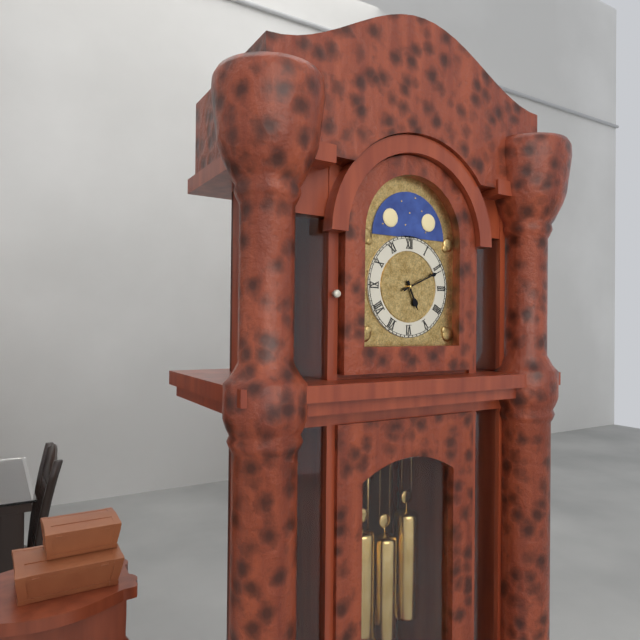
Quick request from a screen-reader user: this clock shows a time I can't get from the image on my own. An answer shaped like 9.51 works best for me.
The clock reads 5.11
